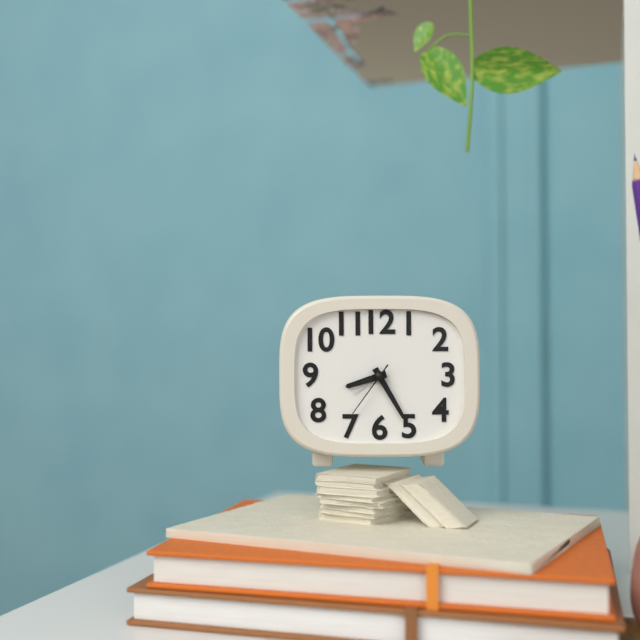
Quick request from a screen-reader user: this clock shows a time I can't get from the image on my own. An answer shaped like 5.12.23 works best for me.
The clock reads 8.25.36
